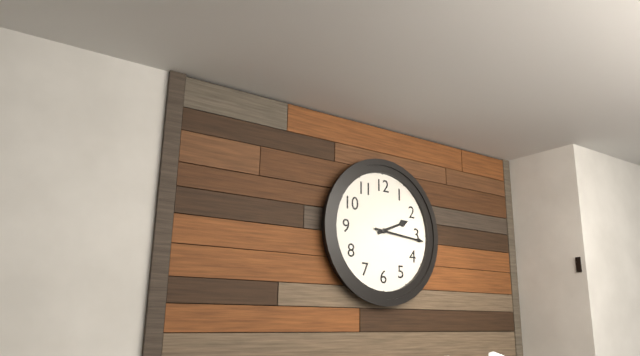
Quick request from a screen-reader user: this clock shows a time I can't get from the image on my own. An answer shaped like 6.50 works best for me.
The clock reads 2.16
